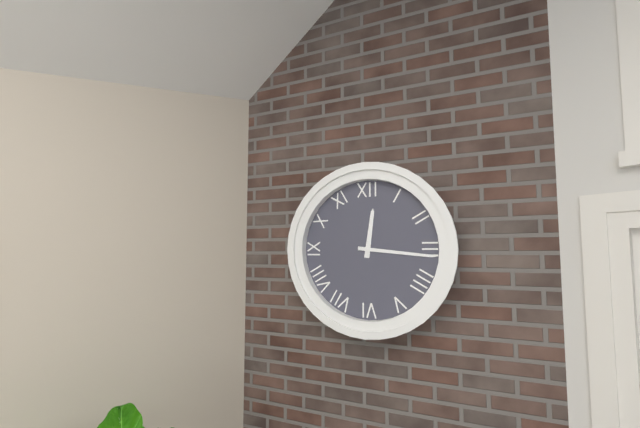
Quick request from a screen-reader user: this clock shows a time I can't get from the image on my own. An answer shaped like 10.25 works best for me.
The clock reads 12.16
